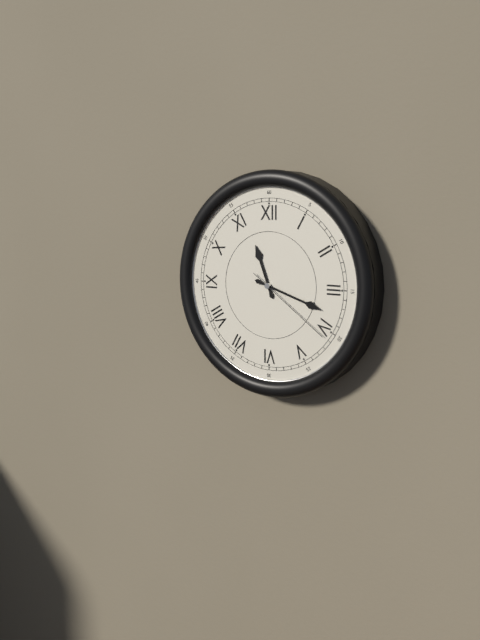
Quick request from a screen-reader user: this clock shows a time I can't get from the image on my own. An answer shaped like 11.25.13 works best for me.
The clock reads 11.18.21
